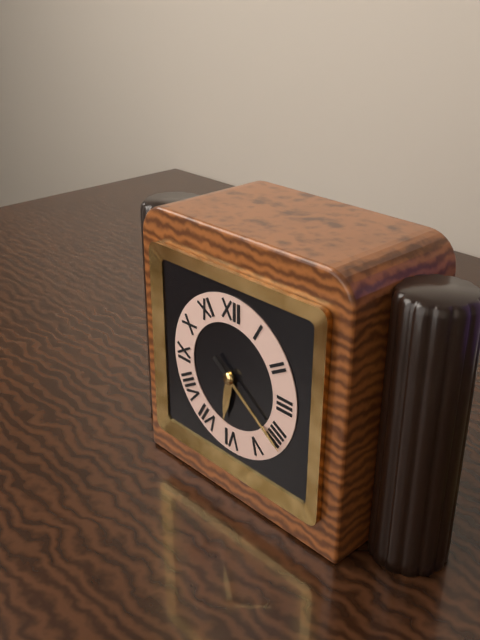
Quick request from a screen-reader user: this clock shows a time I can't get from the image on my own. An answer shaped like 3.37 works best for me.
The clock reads 6.21
